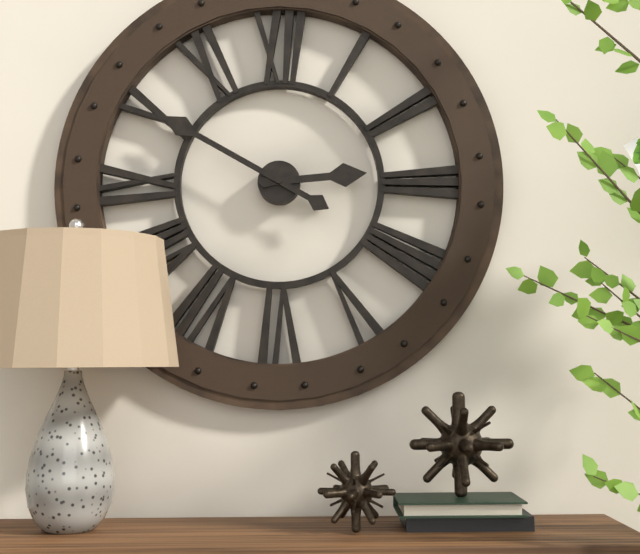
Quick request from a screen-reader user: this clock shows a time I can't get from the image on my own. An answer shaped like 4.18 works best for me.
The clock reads 2.50
